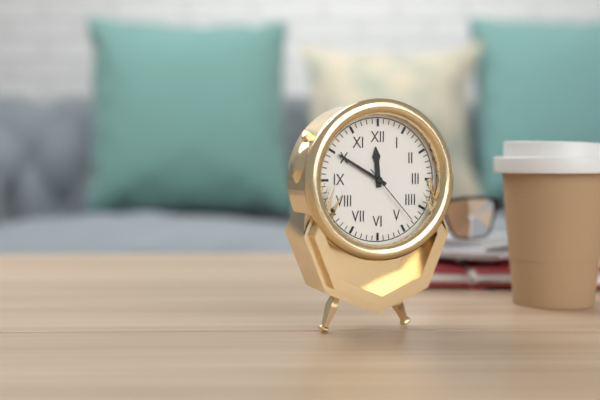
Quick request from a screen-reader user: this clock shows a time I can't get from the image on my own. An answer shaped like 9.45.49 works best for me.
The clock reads 11.50.23
